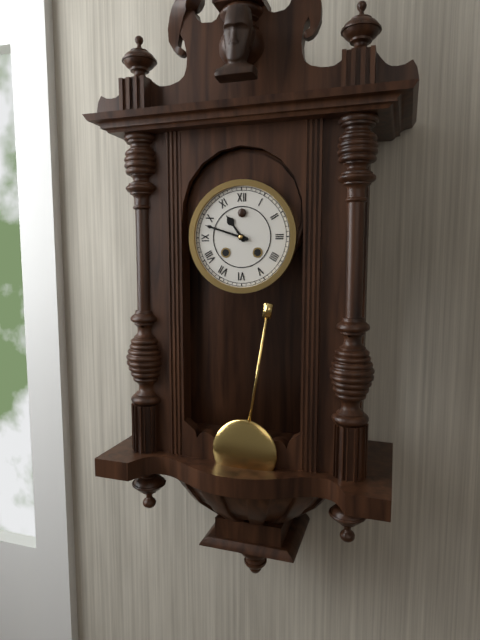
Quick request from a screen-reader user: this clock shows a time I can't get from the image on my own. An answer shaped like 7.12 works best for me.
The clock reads 10.48
